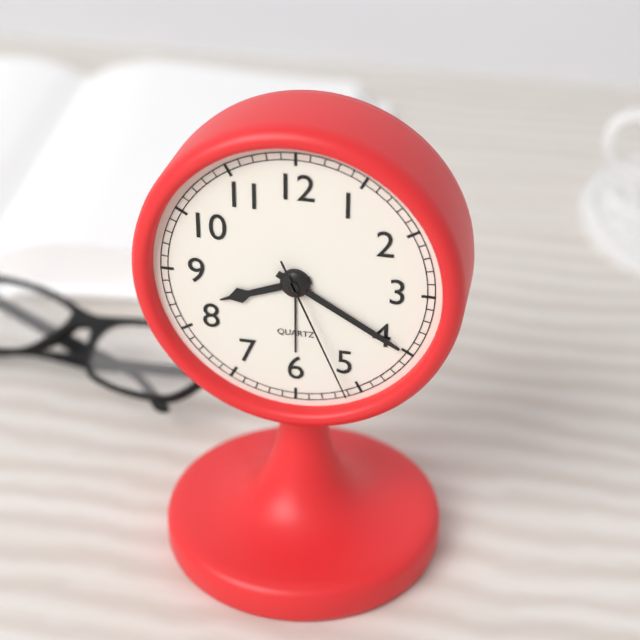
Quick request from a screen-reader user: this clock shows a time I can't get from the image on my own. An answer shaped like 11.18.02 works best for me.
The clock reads 8.20.26
